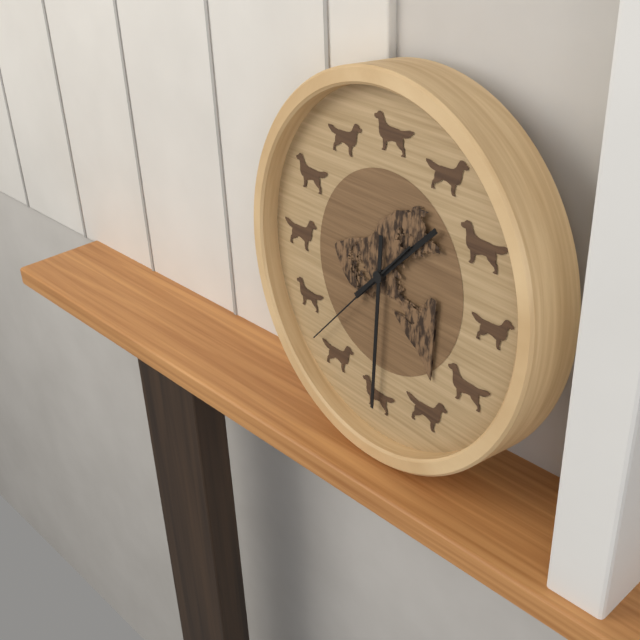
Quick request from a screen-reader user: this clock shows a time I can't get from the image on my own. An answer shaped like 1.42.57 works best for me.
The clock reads 1.30.37
